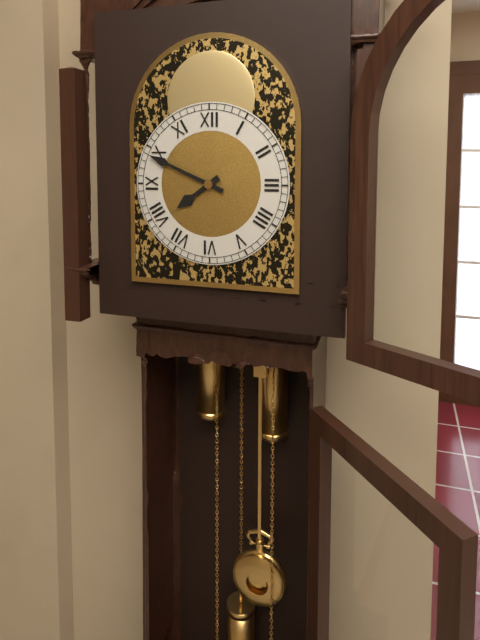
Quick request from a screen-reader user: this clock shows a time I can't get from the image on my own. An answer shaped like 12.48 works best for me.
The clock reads 7.49
